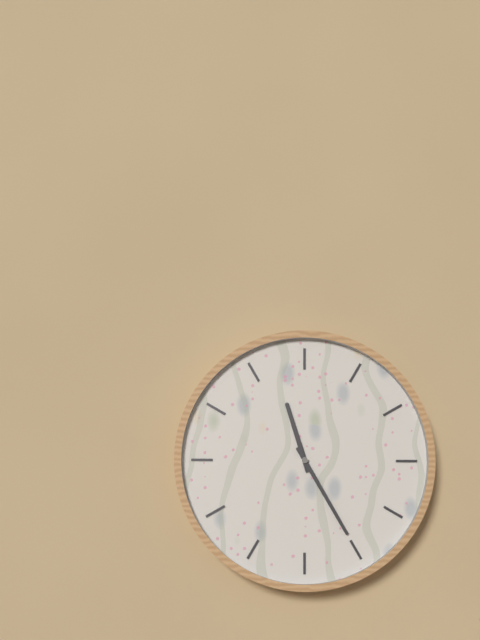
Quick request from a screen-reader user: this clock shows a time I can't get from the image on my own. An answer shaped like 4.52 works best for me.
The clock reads 11.25
